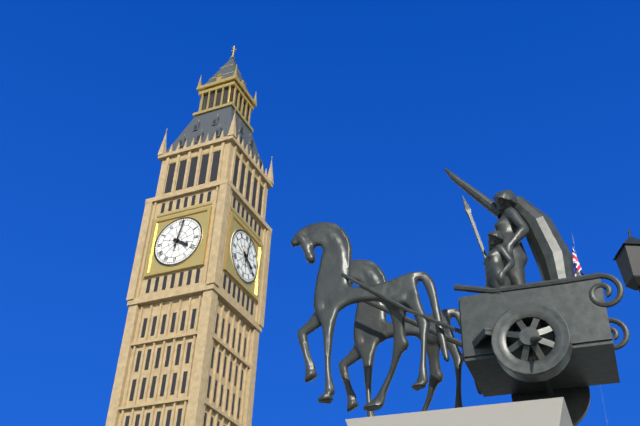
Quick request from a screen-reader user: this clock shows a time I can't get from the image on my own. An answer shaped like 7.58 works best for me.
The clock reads 4.02
